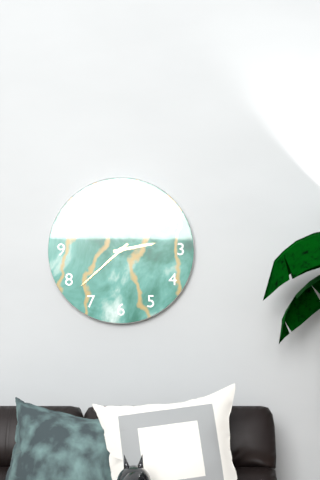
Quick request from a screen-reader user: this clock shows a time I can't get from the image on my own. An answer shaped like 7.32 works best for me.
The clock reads 2.38
